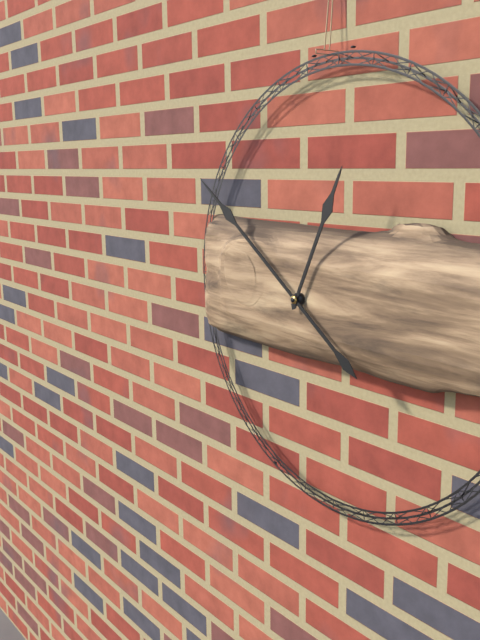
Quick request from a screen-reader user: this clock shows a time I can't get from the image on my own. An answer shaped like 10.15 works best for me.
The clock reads 12.51
